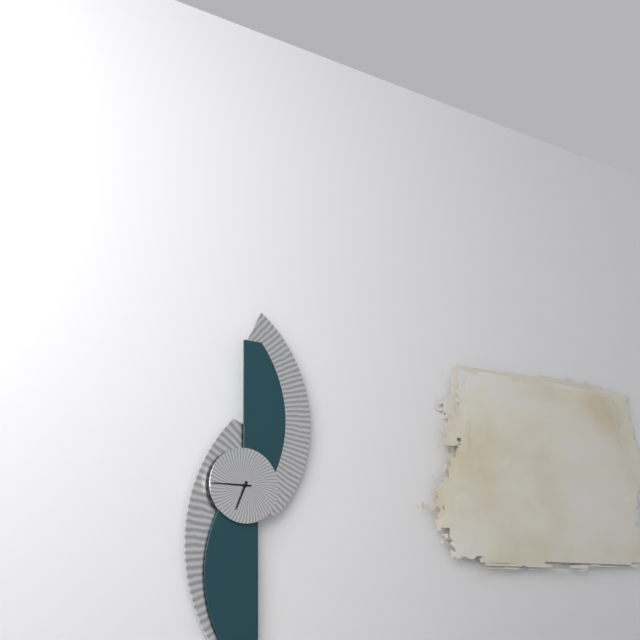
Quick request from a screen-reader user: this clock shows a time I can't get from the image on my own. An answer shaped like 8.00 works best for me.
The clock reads 6.45
